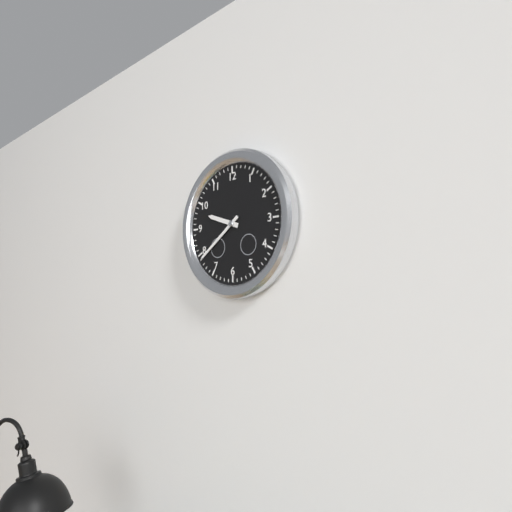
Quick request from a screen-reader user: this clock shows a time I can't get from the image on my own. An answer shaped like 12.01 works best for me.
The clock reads 9.39
